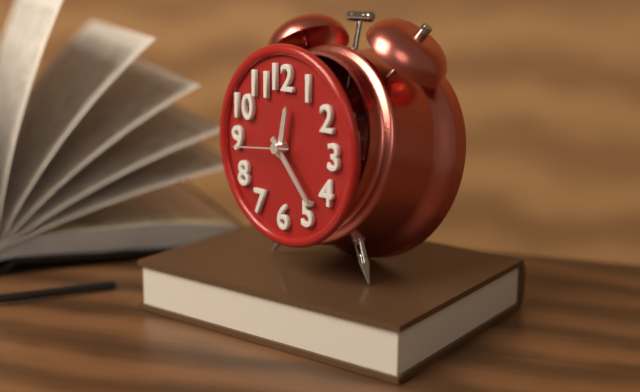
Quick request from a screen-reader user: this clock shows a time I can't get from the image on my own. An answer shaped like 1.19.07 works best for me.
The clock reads 12.23.44
